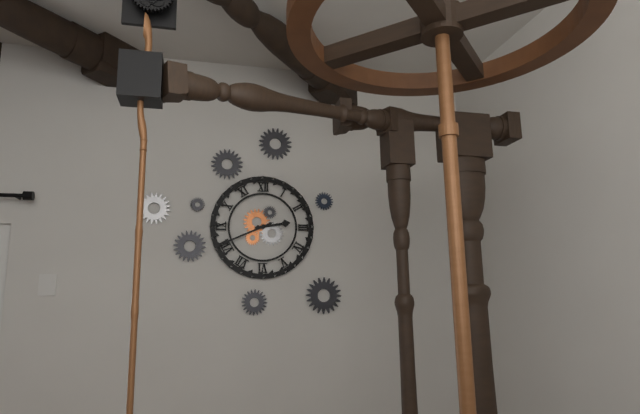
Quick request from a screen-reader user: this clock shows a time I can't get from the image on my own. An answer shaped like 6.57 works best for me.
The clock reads 2.41
